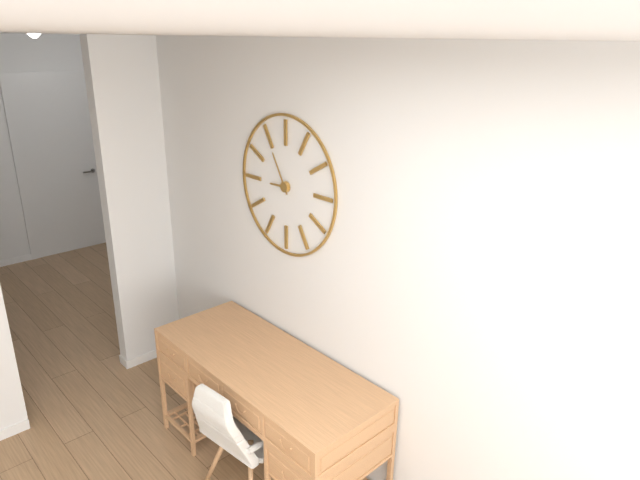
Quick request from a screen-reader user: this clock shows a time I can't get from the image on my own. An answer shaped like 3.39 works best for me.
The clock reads 8.55
